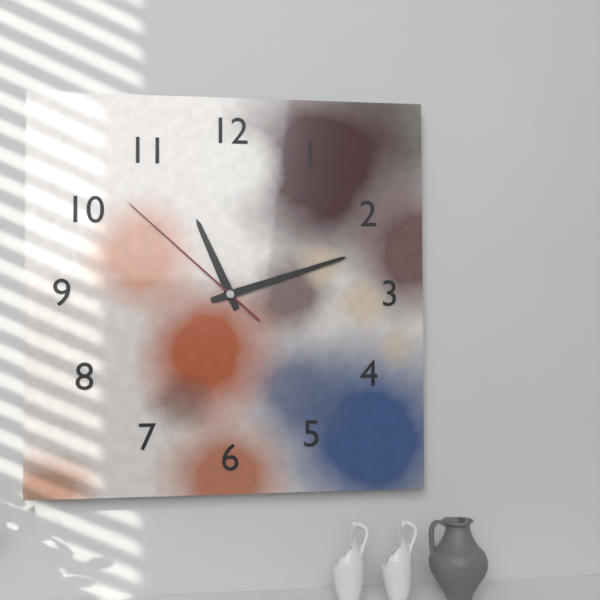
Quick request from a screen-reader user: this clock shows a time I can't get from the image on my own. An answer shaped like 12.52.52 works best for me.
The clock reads 11.12.52
